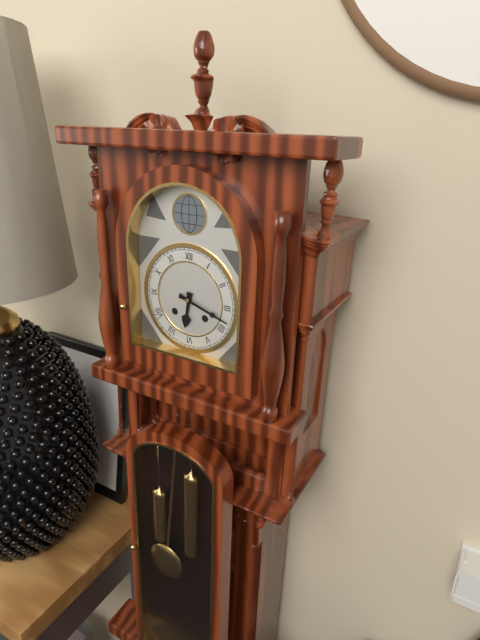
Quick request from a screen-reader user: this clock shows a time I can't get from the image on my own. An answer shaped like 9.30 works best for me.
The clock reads 6.18
